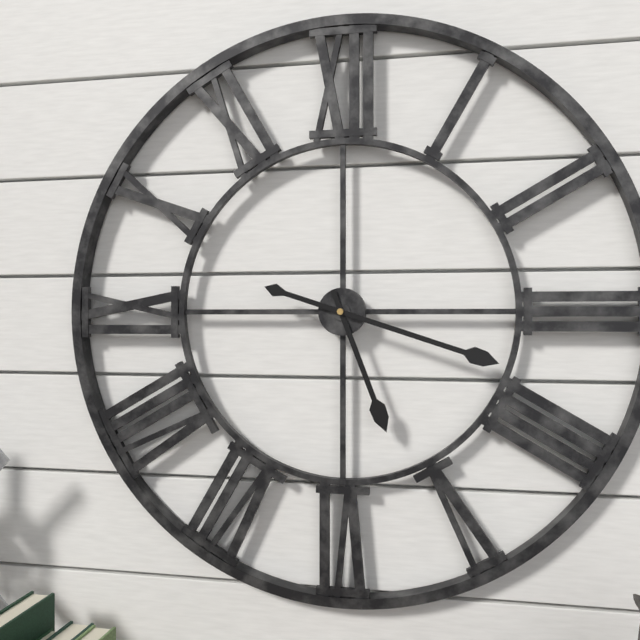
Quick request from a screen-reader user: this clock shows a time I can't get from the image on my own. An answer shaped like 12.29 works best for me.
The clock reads 5.18
